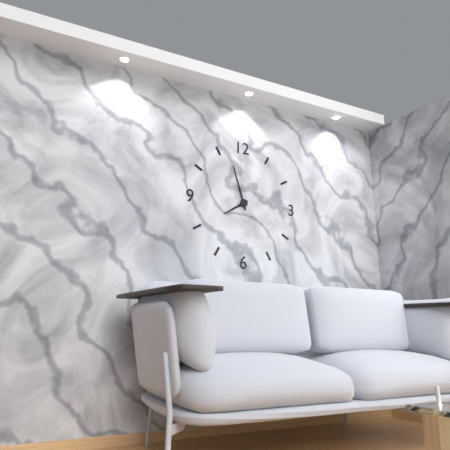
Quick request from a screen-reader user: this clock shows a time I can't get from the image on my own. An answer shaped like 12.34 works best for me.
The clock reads 7.57
